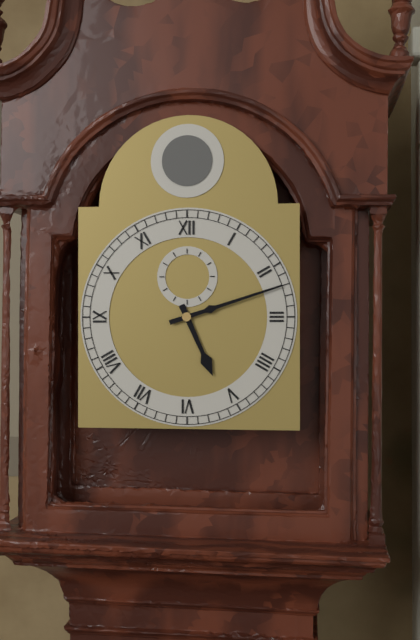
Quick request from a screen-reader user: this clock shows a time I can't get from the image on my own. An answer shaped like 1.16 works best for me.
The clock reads 5.12
